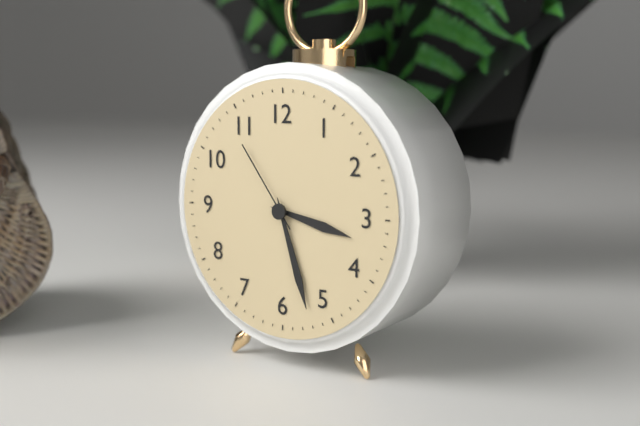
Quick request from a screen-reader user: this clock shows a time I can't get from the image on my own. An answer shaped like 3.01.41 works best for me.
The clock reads 3.27.54
